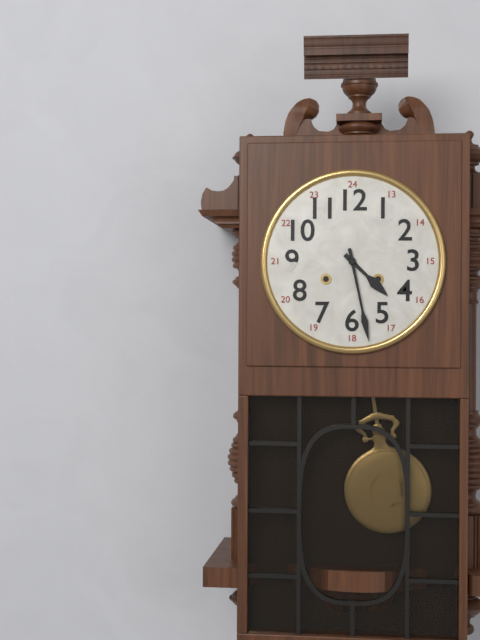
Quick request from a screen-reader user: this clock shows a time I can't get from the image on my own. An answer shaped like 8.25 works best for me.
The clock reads 4.28
